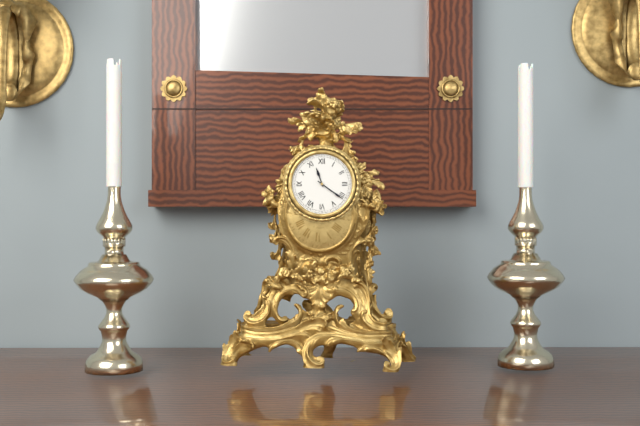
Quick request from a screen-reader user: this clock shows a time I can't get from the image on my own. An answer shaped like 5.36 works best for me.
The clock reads 11.21
